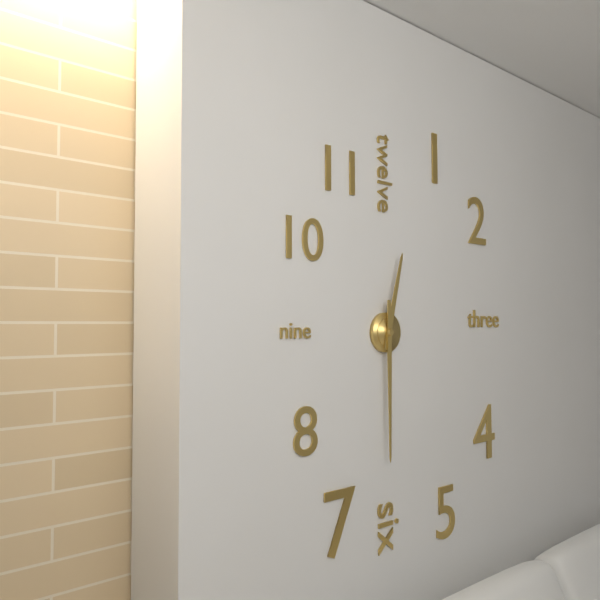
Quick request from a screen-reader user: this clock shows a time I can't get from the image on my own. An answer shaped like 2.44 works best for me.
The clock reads 12.30
